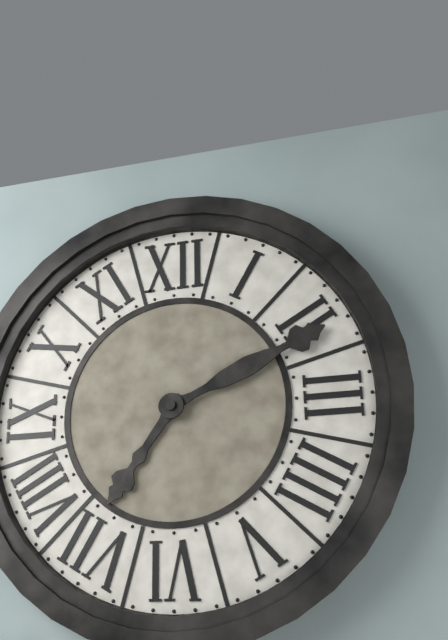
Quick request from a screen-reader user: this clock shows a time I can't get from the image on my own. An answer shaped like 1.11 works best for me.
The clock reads 7.11
